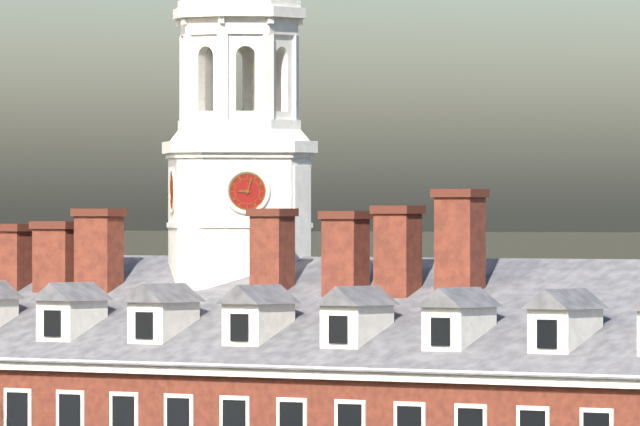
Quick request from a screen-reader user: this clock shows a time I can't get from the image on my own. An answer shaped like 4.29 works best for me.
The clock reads 9.03
